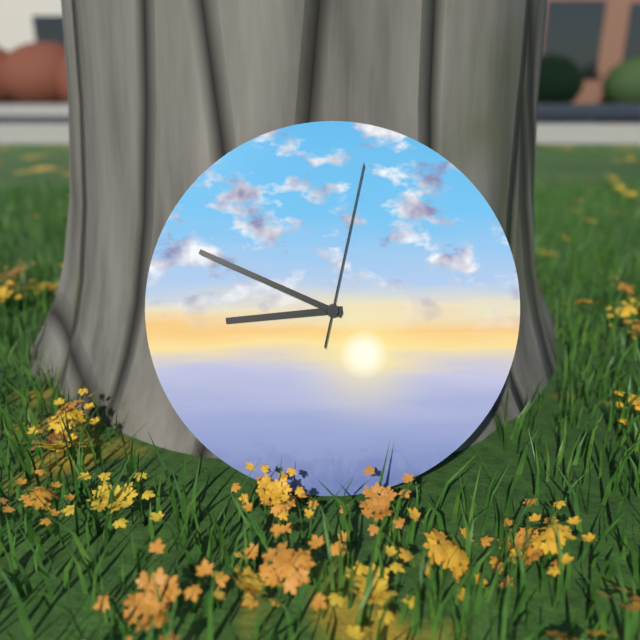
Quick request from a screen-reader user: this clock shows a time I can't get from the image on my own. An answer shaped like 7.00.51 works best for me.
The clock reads 8.49.02
